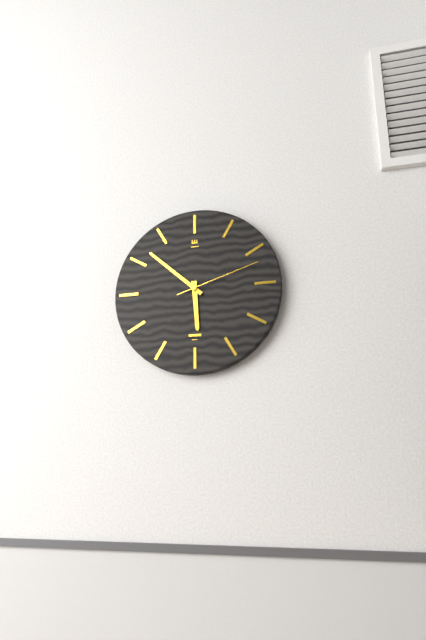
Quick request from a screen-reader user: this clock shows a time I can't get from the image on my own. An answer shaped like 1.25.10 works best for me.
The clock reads 5.52.12
